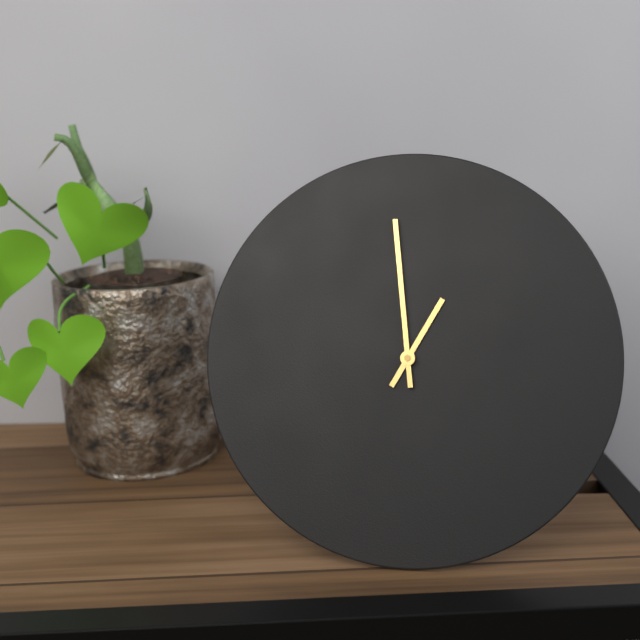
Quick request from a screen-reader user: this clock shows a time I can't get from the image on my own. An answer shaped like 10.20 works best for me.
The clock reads 12.59
